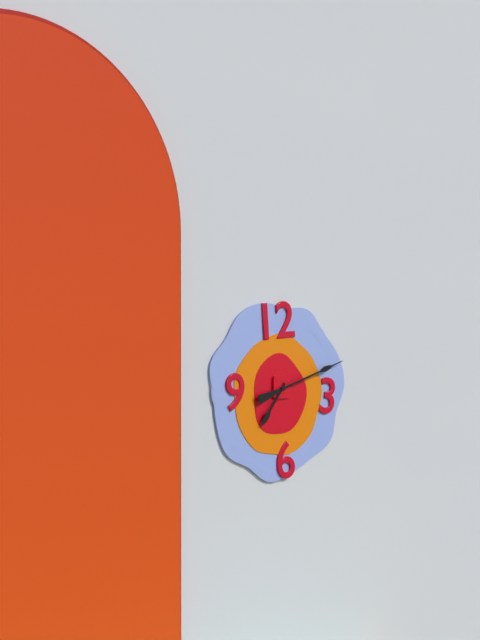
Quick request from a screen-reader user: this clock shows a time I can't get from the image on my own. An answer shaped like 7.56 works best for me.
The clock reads 7.12
